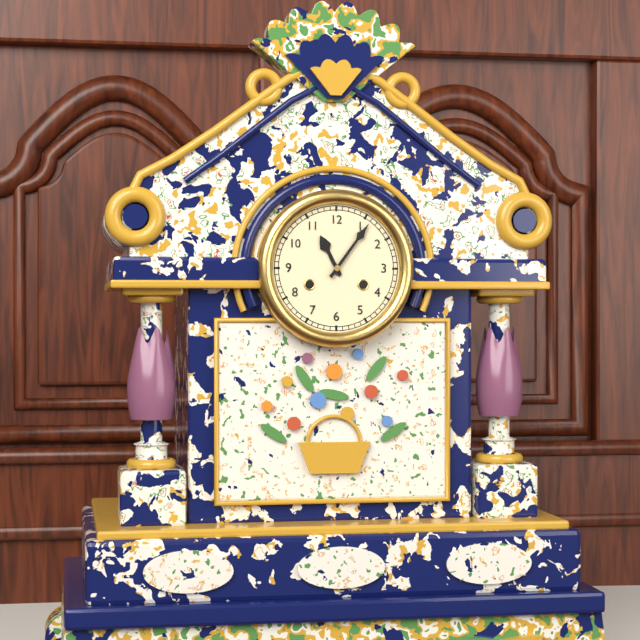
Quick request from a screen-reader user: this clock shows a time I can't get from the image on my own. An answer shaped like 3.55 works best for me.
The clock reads 11.06
